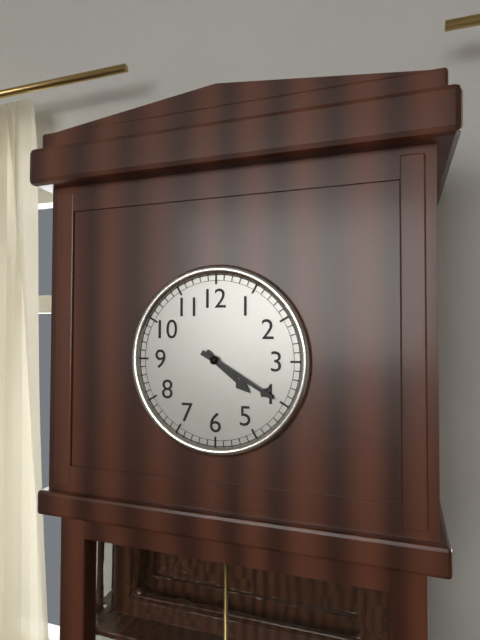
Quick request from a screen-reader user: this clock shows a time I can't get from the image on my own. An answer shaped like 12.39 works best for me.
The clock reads 4.20
